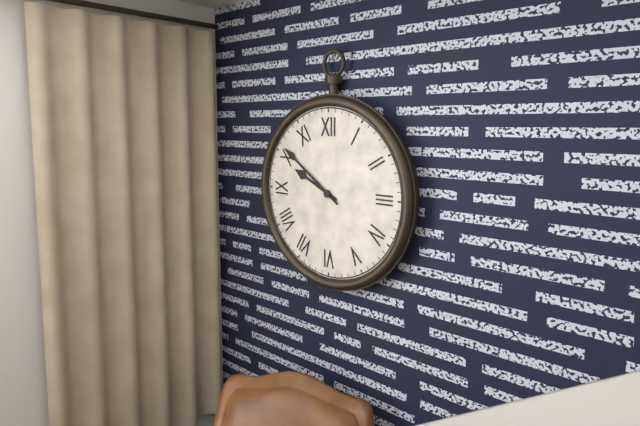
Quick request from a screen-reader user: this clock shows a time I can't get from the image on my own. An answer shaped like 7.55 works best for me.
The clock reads 9.51
